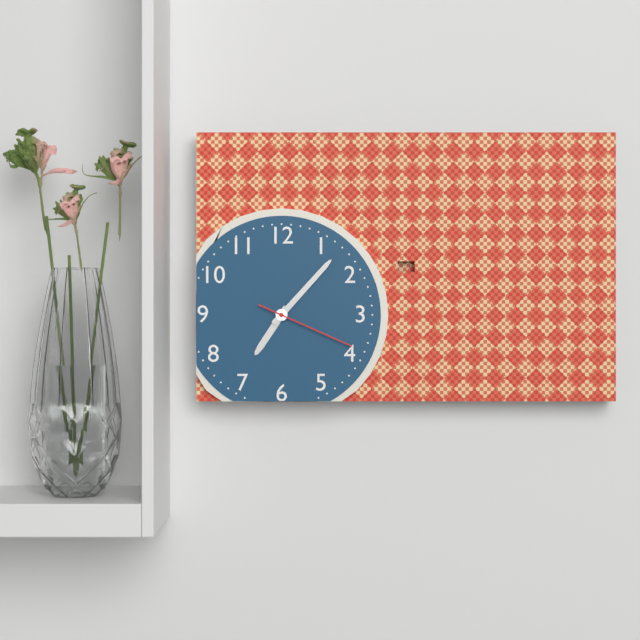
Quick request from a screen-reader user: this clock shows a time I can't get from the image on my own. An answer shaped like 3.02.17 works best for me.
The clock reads 7.07.19
